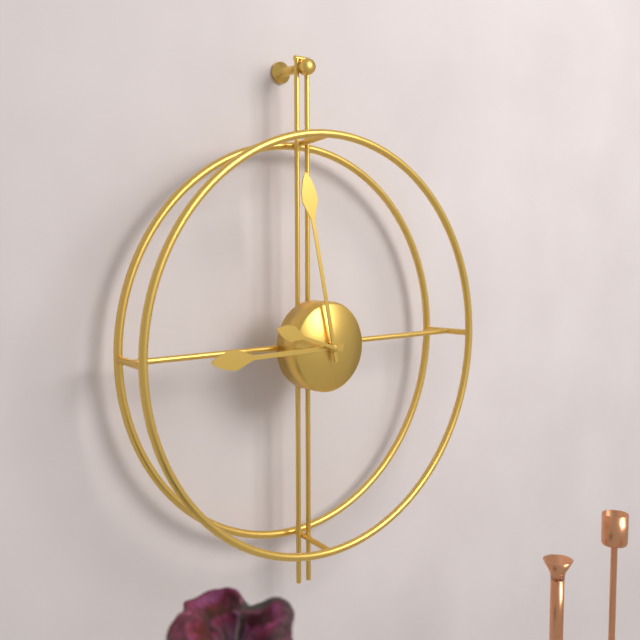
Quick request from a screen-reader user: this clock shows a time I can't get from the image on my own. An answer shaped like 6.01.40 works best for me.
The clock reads 8.58.48
